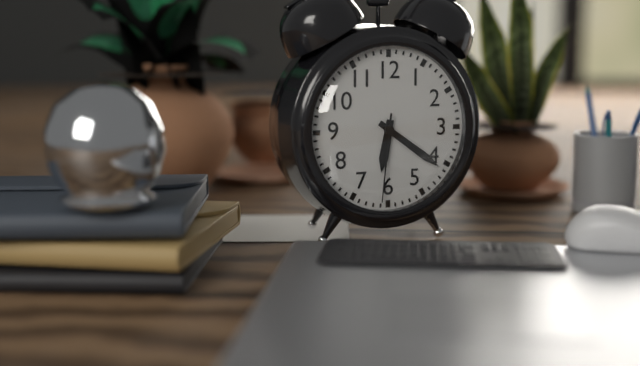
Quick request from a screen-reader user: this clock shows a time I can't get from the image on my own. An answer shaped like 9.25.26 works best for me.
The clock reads 6.21.31
